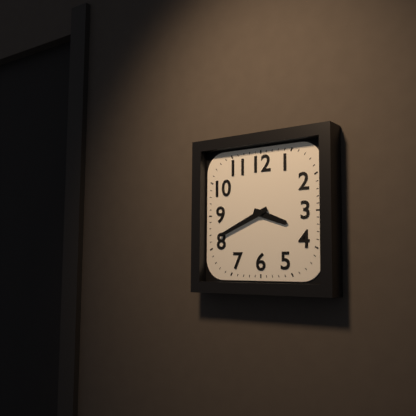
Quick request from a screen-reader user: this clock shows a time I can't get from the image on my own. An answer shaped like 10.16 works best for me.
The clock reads 3.41
